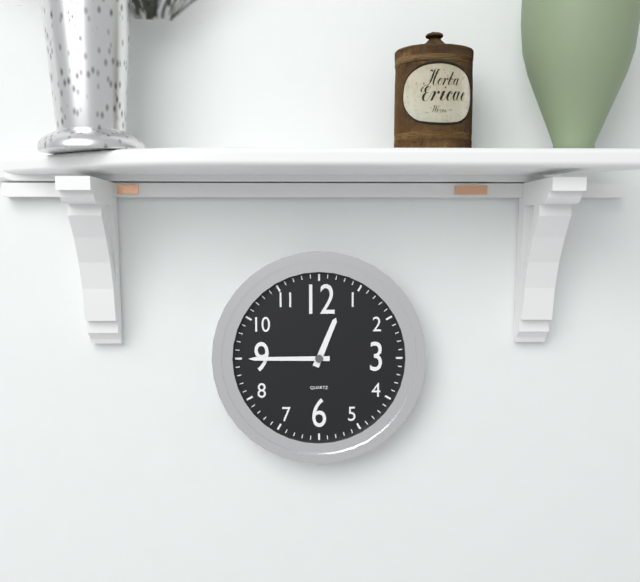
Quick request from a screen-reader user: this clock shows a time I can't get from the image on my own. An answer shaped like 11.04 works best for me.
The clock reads 12.45
